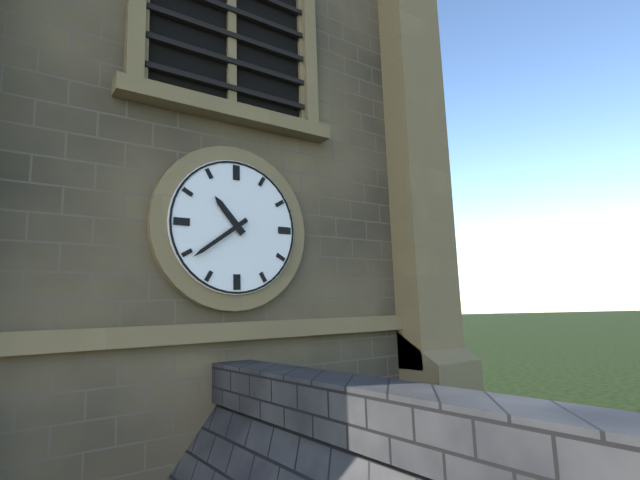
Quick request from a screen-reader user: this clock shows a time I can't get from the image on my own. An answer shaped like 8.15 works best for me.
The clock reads 10.39
